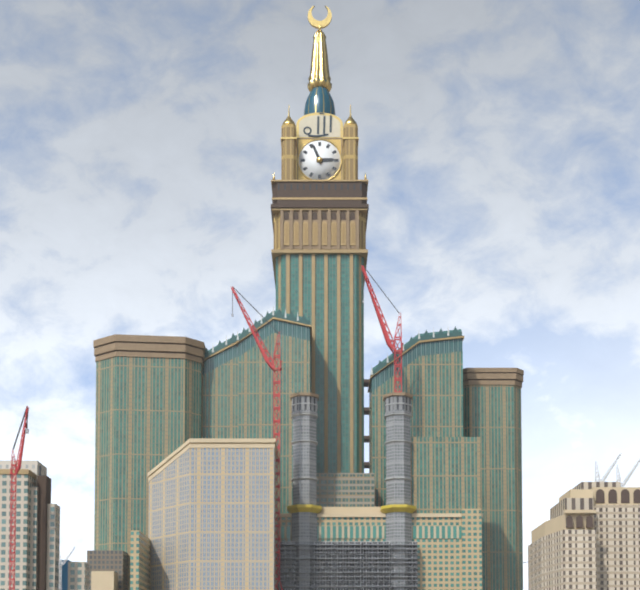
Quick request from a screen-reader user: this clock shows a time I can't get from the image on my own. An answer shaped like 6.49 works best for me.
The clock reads 2.56
